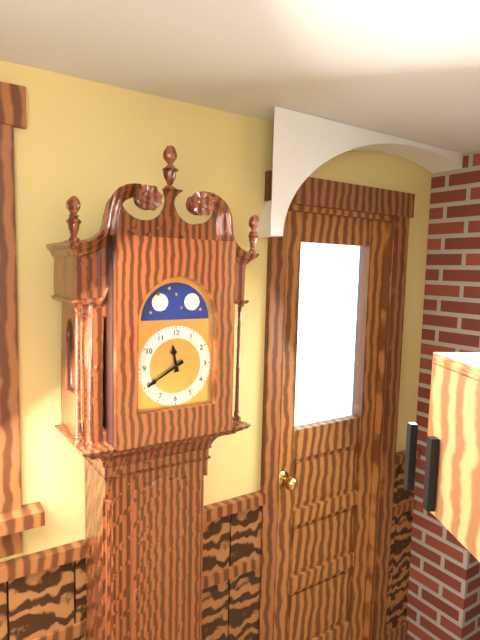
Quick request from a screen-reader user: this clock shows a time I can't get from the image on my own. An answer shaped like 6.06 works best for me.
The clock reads 11.40
